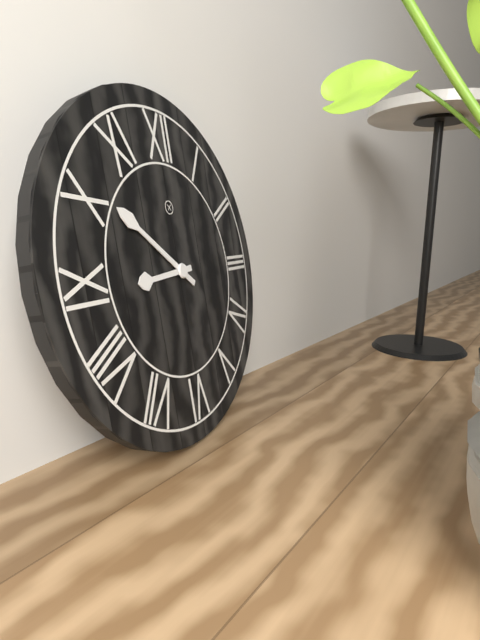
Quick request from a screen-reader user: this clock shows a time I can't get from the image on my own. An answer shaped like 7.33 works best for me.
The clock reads 8.51
